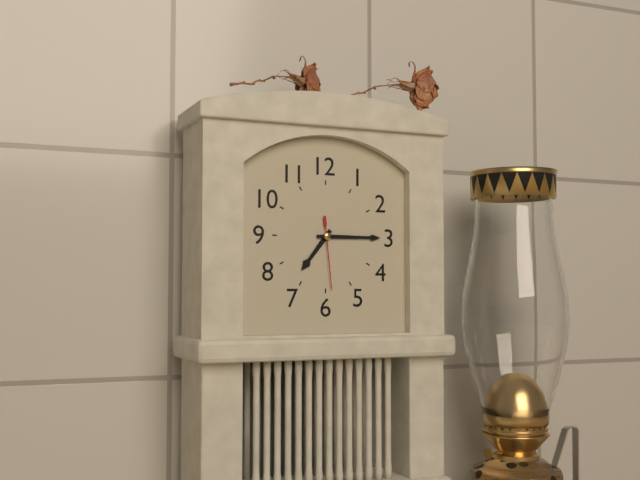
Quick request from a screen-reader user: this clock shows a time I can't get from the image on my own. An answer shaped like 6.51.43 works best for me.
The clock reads 7.15.29
